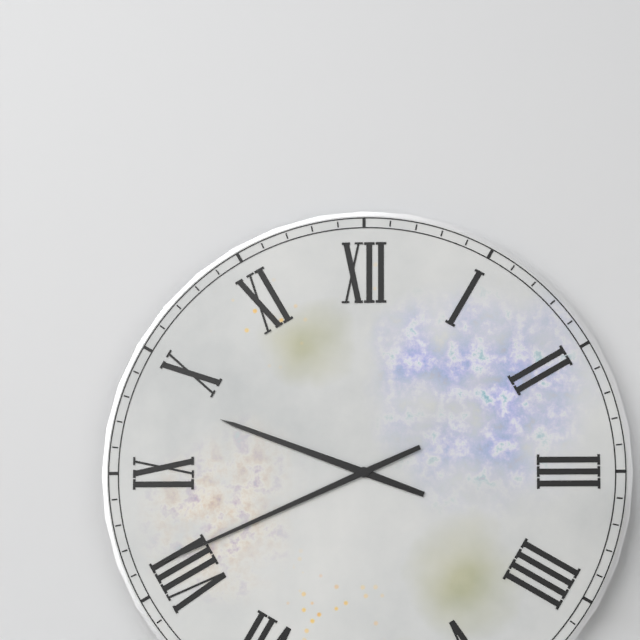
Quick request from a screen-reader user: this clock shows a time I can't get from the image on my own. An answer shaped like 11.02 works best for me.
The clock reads 9.41
